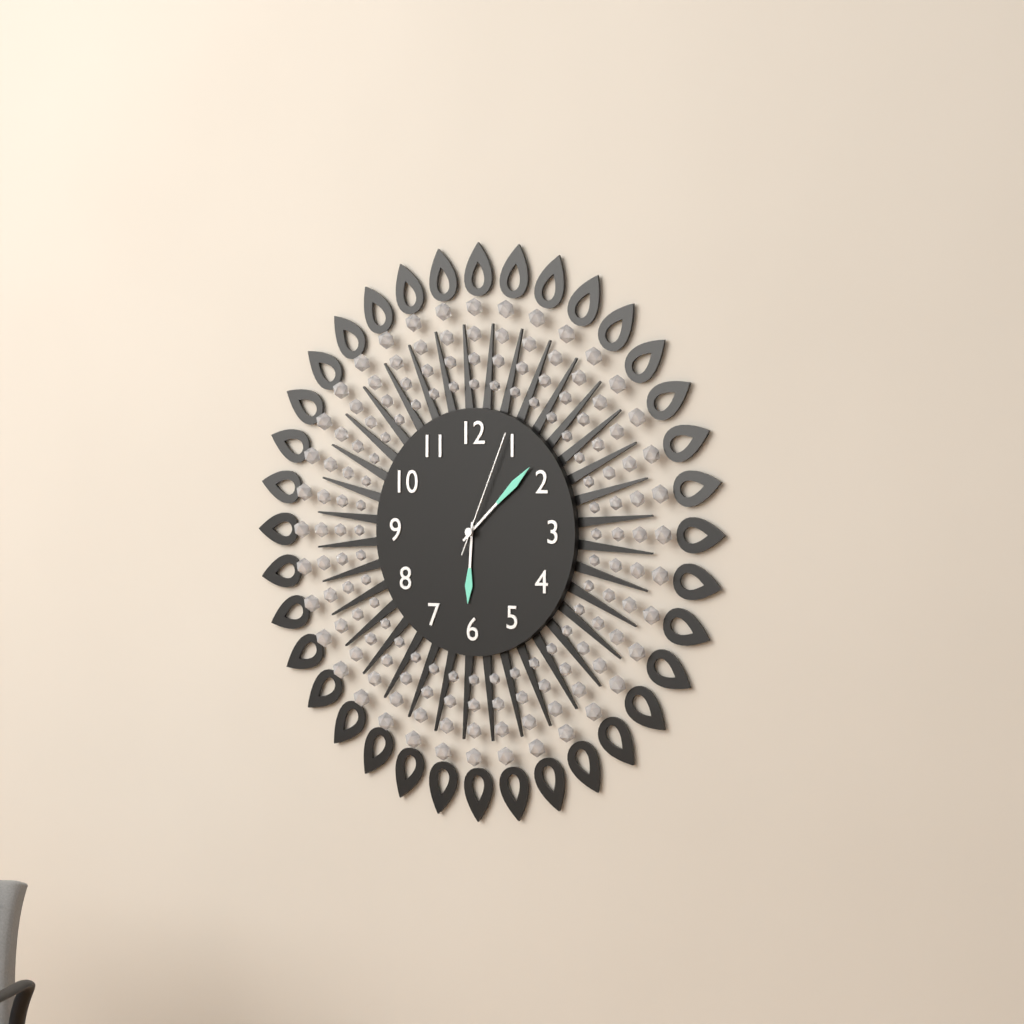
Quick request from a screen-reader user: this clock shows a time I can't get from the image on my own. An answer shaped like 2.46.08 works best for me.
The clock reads 6.08.04
